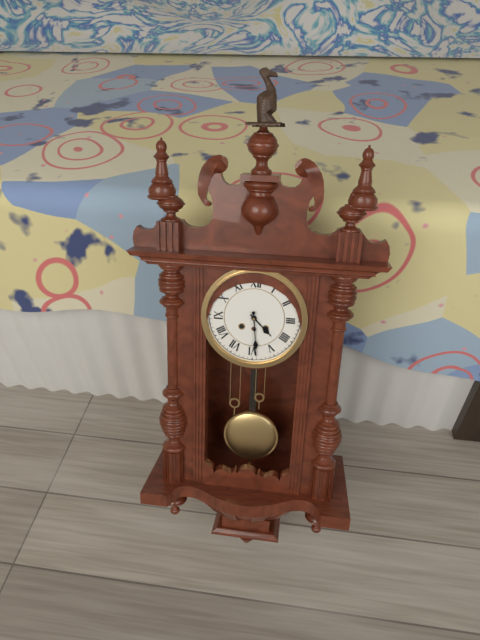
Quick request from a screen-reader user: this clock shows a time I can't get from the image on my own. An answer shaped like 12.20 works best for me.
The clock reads 4.29
